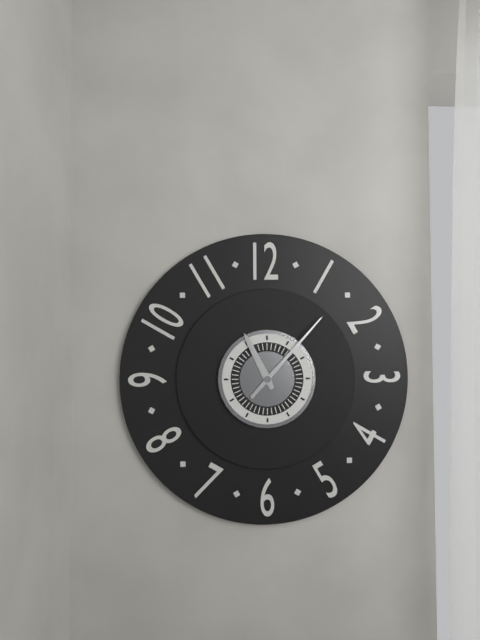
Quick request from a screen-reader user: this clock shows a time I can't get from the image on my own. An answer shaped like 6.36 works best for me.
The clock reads 11.07
